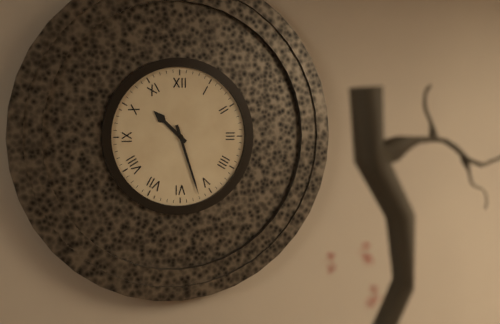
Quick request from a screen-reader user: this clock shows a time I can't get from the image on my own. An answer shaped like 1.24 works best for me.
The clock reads 10.27
